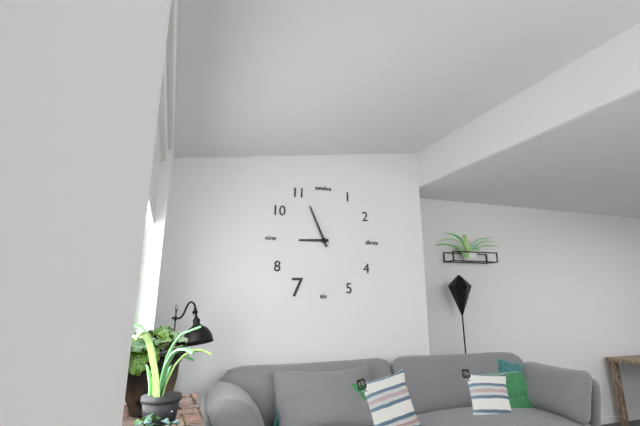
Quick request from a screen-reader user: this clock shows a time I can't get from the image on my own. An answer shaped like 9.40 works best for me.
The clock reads 8.56
